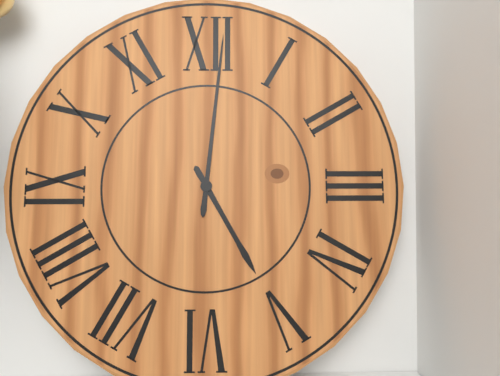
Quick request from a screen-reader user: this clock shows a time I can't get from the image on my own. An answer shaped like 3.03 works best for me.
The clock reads 5.01
